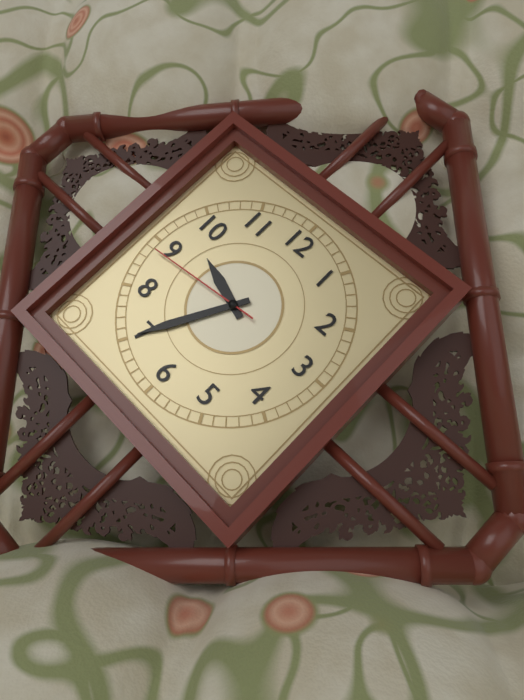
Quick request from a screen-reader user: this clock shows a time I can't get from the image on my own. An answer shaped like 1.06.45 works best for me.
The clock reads 9.35.44
